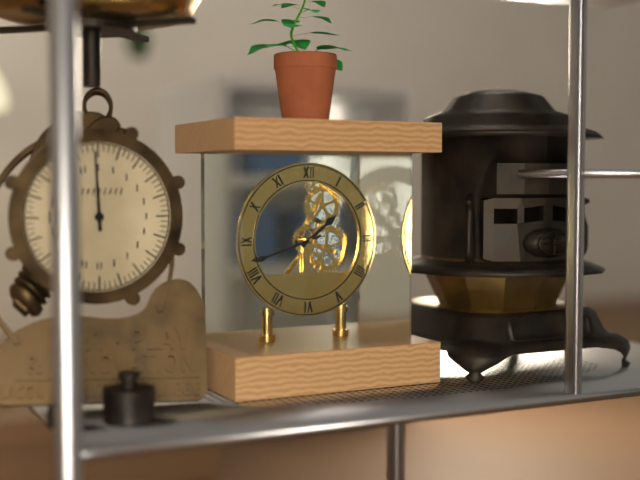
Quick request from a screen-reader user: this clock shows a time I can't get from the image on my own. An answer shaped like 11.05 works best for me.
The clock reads 1.42
